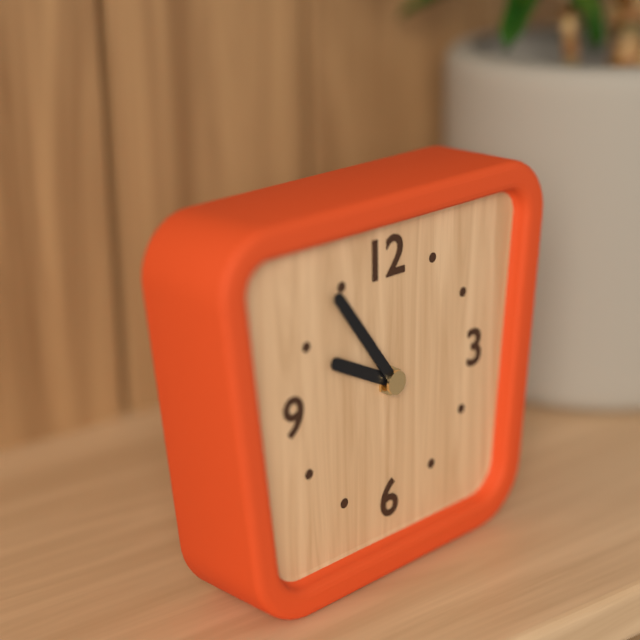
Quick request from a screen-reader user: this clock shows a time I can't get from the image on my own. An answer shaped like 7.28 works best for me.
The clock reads 9.54
